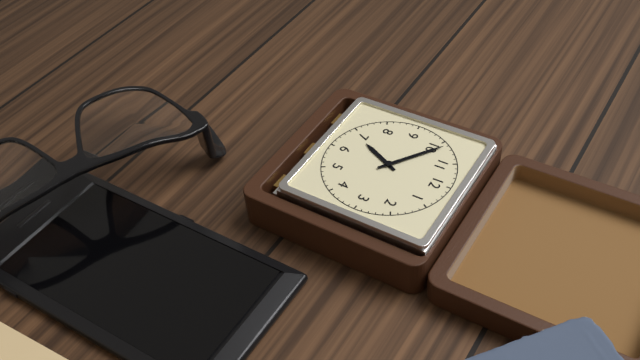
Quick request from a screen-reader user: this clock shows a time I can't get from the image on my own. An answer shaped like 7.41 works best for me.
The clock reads 6.51
